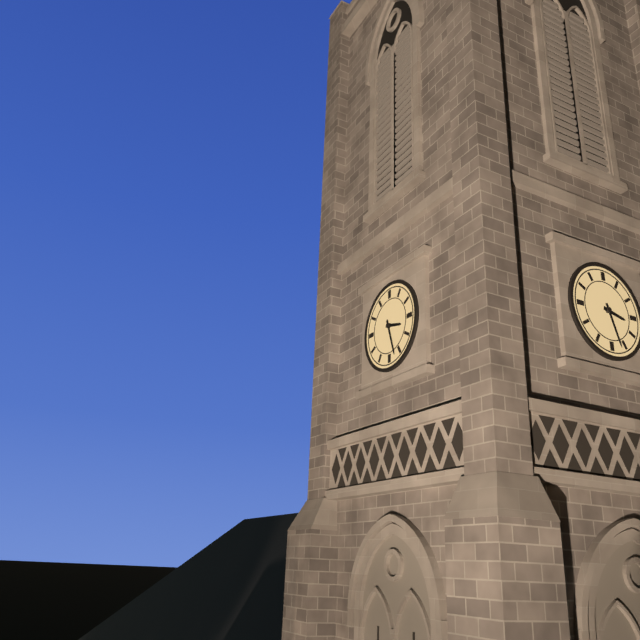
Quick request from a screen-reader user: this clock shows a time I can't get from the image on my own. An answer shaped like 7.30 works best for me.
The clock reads 3.27
